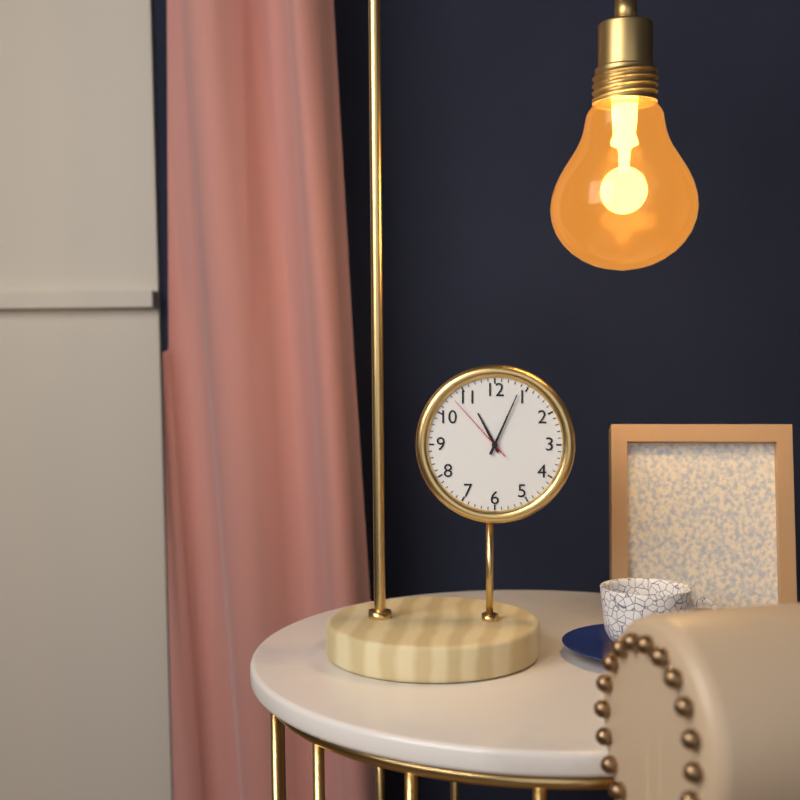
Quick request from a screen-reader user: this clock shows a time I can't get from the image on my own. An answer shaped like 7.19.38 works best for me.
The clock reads 11.04.53
